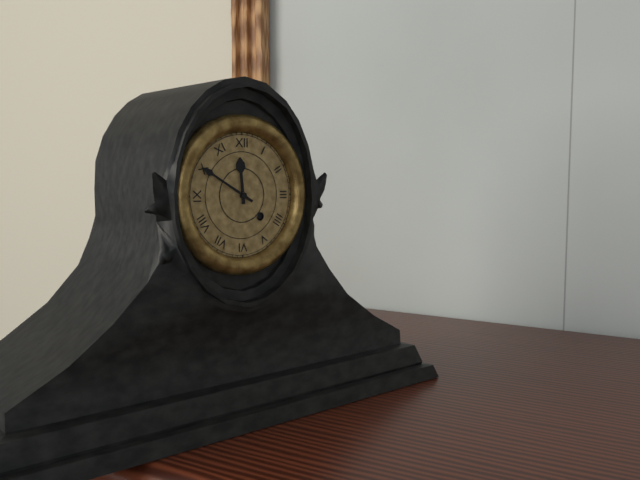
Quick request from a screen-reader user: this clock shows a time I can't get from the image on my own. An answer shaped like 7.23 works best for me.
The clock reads 11.50
